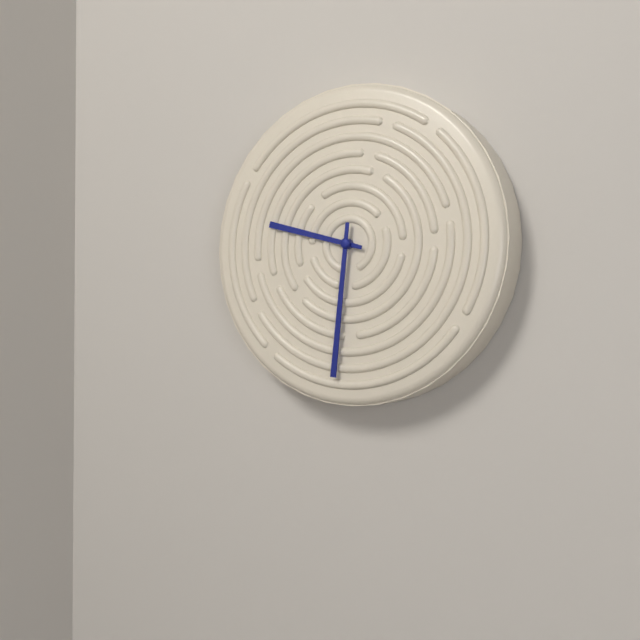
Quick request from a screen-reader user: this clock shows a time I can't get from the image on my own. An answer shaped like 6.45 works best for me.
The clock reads 9.31
